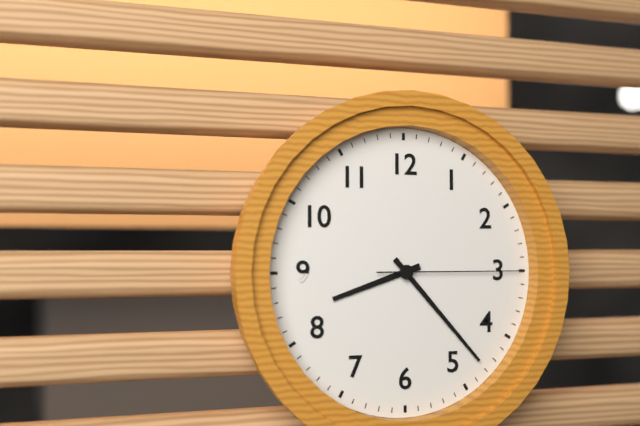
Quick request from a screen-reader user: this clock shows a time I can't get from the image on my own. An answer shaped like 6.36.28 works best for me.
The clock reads 8.23.15
